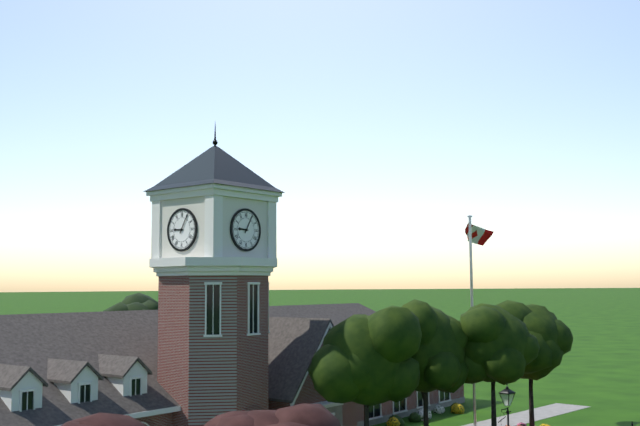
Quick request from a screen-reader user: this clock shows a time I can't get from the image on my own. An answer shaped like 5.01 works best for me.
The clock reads 9.05
